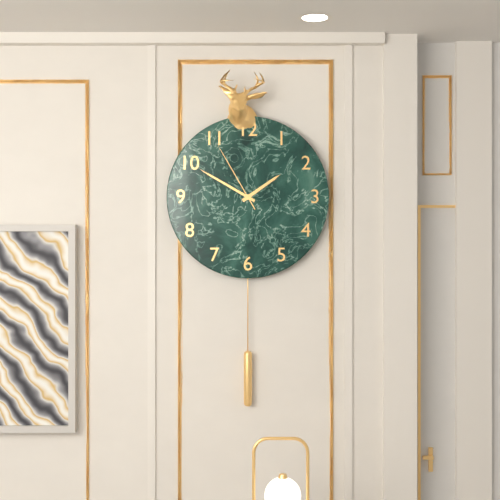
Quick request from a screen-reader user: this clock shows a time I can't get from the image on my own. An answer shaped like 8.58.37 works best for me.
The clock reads 1.50.55
